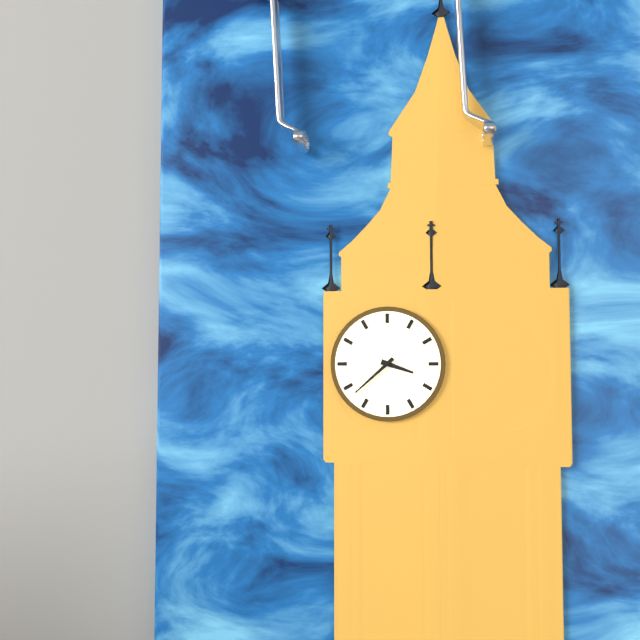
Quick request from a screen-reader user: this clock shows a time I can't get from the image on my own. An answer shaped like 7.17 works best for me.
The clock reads 3.38
